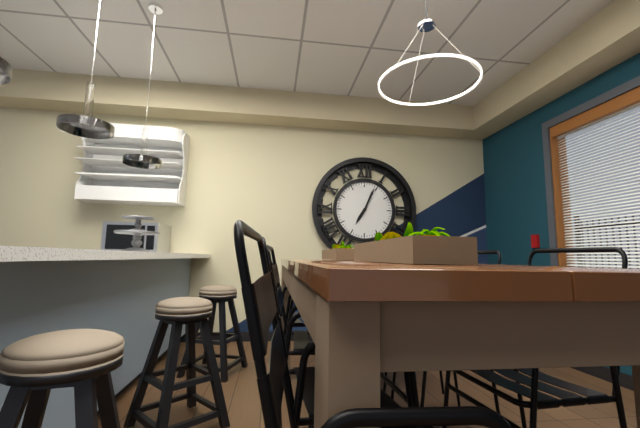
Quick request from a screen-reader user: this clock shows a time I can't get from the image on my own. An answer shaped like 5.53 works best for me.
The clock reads 7.04
